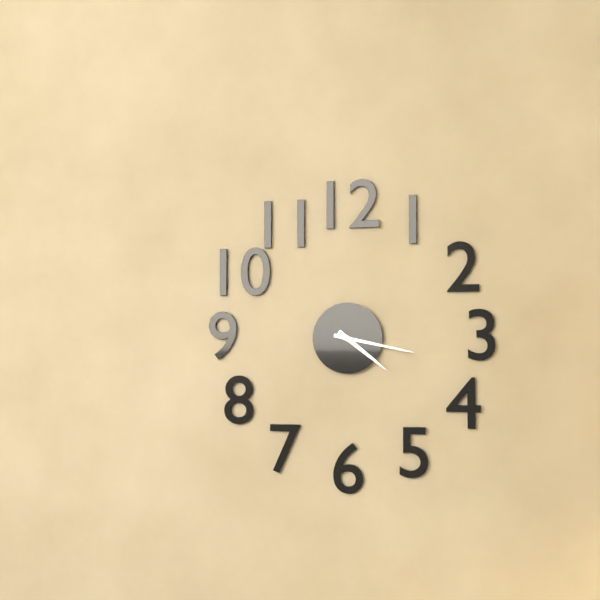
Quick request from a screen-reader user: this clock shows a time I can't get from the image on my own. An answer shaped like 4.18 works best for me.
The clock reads 4.17
